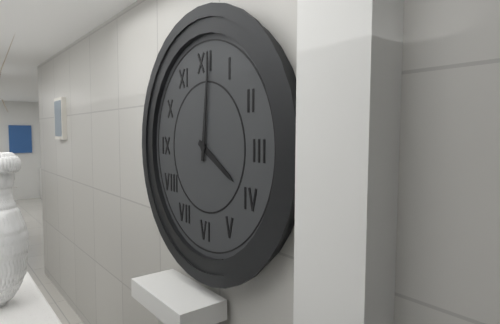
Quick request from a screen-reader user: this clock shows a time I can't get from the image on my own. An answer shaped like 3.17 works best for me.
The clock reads 4.01
